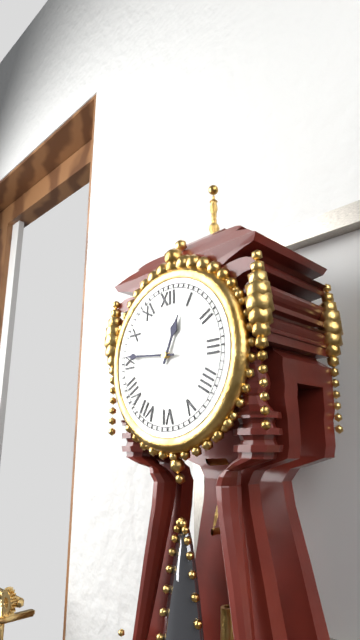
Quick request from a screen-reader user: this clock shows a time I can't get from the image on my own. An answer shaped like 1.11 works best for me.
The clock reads 12.46
